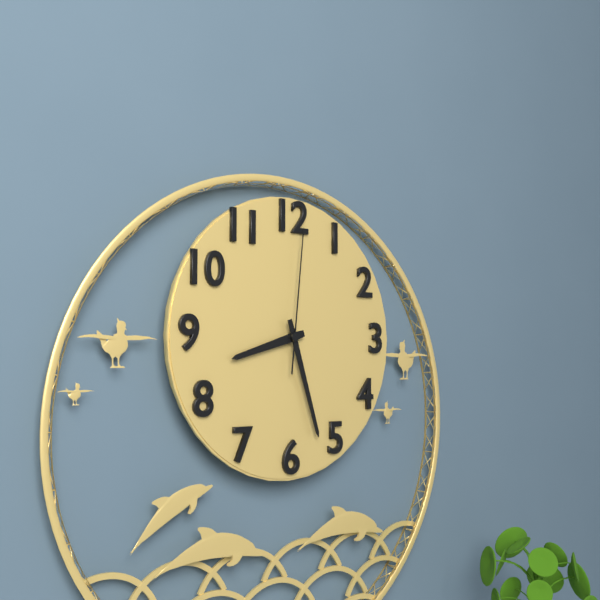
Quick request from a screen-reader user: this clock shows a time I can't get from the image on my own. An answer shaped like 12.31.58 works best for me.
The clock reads 8.27.01
